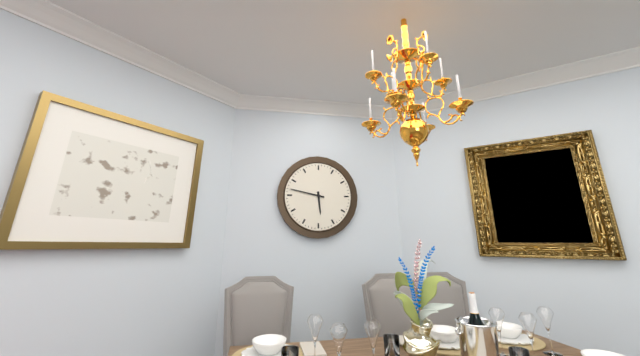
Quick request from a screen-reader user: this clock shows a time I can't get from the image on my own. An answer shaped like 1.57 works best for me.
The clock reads 5.47
